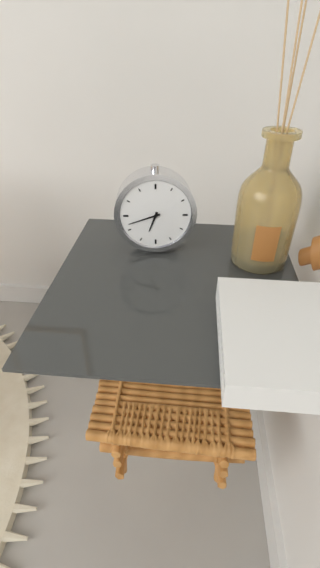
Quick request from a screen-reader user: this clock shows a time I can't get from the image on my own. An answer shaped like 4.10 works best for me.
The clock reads 6.42
